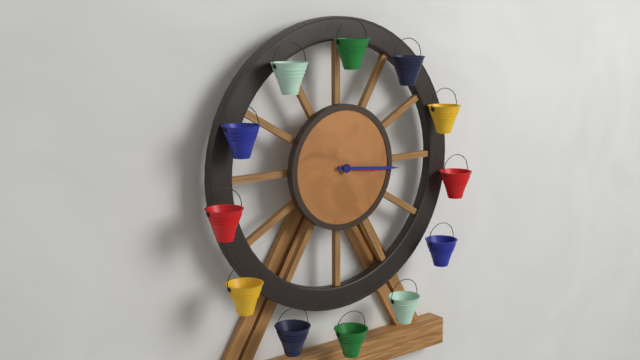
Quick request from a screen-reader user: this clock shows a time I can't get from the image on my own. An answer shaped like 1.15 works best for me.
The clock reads 3.16
